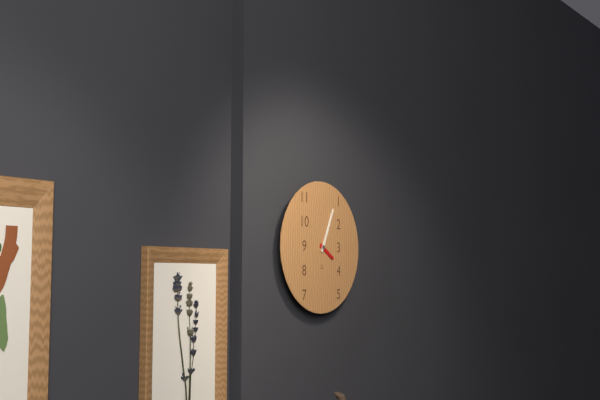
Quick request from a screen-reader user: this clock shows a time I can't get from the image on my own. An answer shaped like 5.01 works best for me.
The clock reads 4.04
